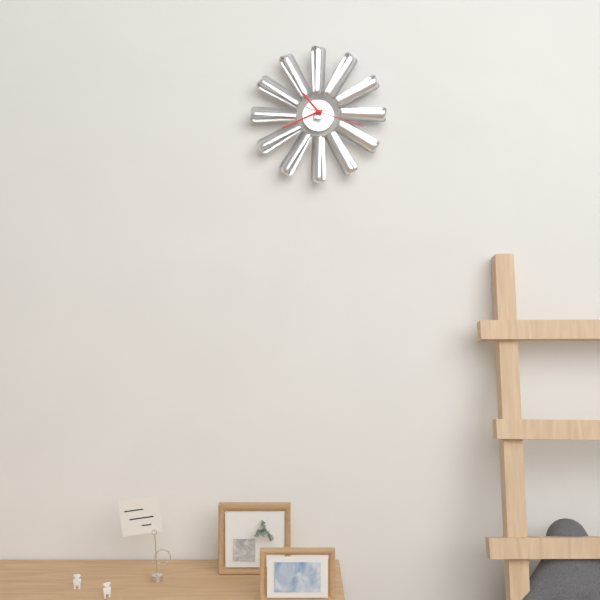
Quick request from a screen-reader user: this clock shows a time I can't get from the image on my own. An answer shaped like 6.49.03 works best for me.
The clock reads 10.41.18
